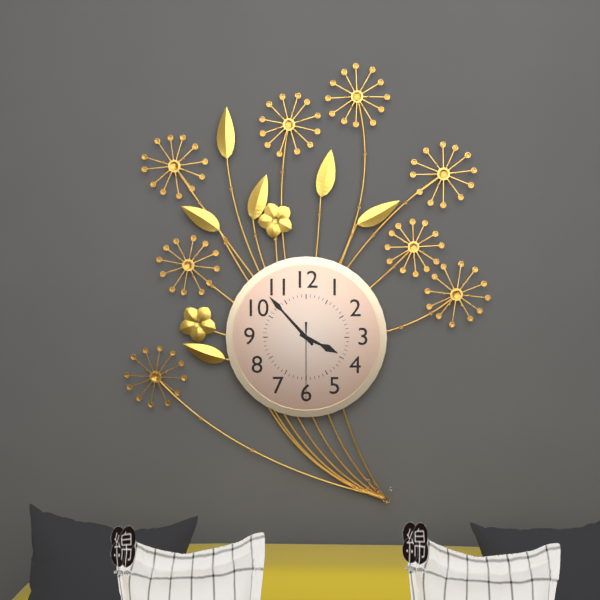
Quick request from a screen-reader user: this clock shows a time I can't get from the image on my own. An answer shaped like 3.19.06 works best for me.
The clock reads 3.53.30
